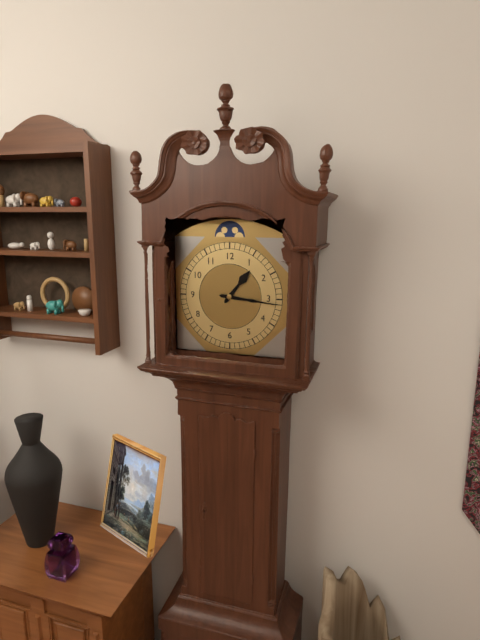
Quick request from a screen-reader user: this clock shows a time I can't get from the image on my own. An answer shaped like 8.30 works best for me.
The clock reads 1.16
